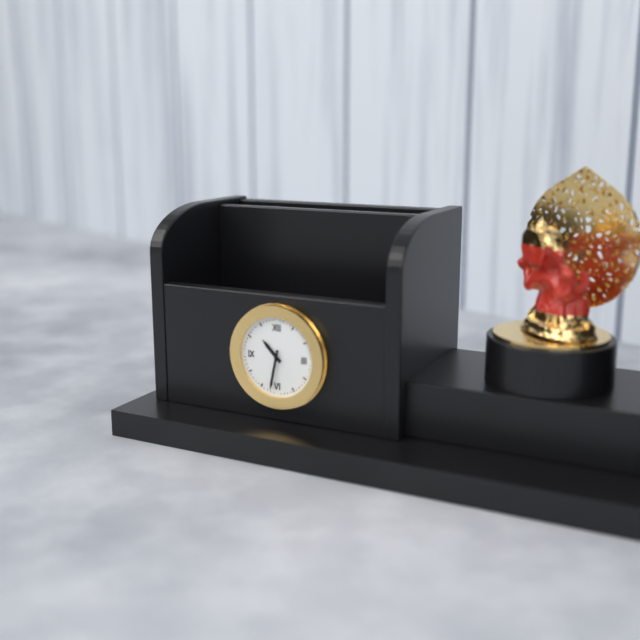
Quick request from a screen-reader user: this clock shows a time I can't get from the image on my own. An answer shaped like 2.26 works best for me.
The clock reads 10.32
